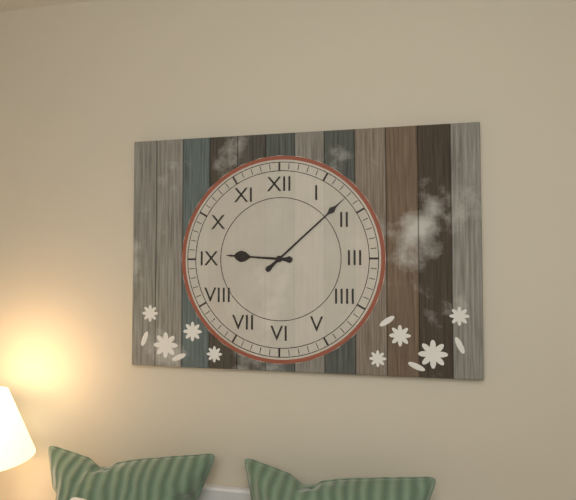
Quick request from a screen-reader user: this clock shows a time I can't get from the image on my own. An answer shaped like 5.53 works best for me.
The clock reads 9.08
